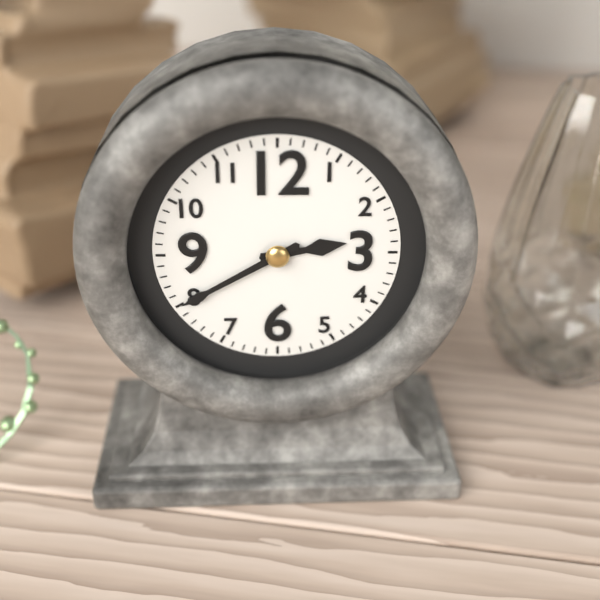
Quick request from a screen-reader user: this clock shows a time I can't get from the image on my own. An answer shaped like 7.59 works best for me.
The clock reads 2.40
